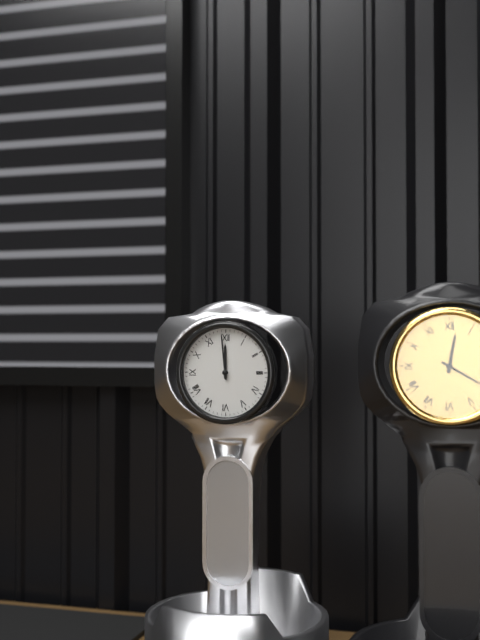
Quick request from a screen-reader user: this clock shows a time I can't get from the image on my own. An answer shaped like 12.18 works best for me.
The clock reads 11.59
